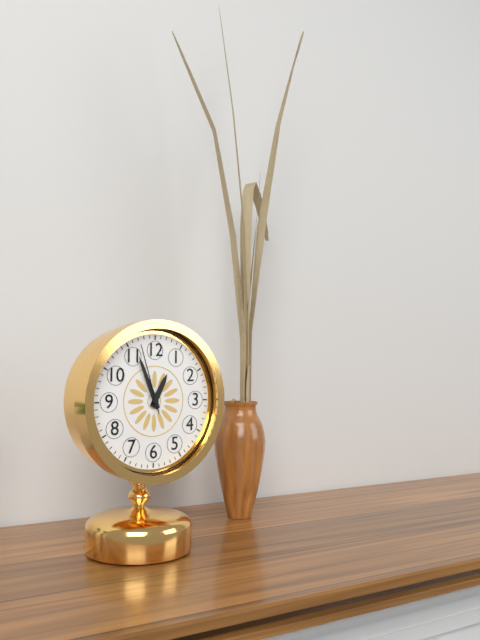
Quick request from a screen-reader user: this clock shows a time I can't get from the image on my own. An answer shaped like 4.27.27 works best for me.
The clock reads 12.56.57
